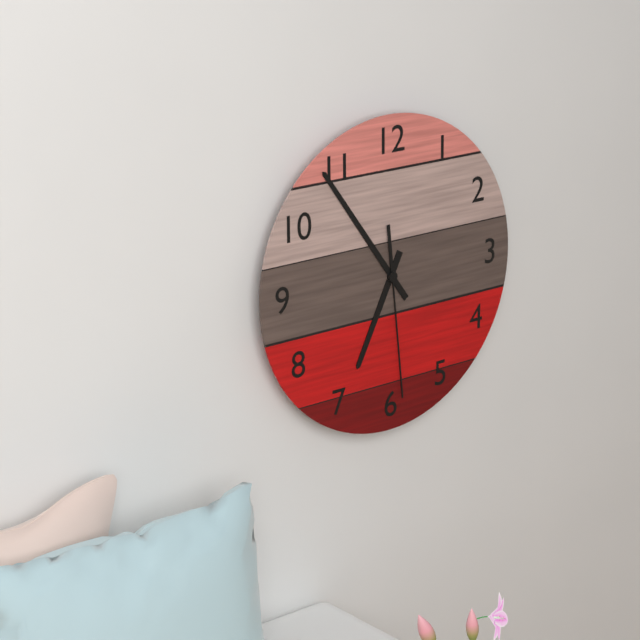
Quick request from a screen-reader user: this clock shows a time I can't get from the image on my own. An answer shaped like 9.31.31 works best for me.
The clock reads 6.54.29
